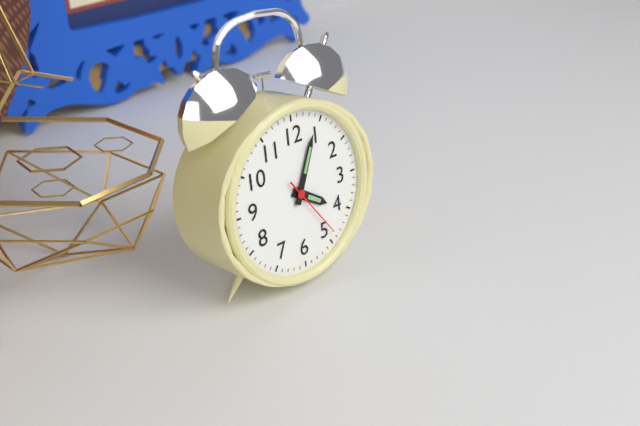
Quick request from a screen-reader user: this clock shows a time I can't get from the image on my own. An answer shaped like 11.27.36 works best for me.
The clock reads 4.04.24
